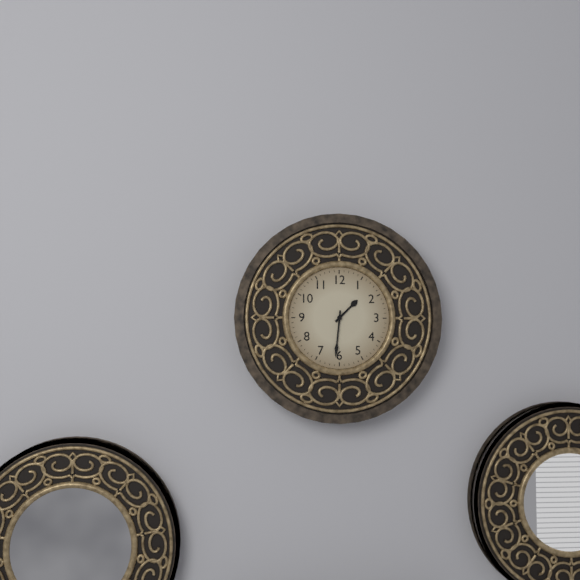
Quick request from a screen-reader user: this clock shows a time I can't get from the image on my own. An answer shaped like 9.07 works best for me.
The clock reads 1.31
